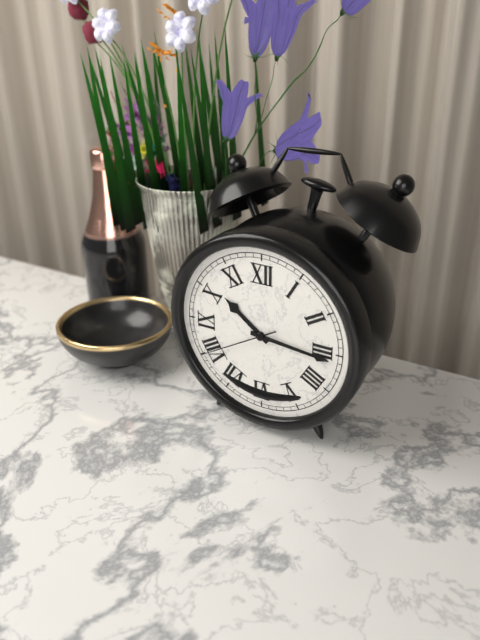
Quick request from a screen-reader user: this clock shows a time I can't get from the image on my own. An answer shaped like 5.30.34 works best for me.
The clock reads 10.16.40
